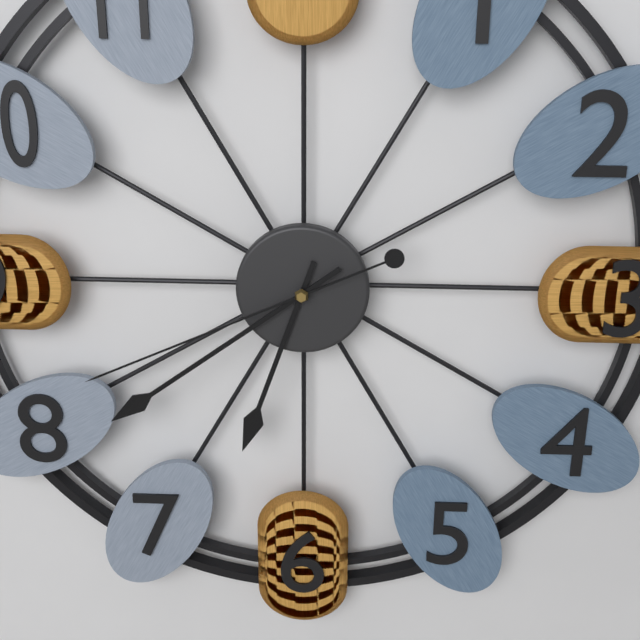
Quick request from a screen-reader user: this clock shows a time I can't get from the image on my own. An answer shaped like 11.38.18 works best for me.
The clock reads 6.39.41
